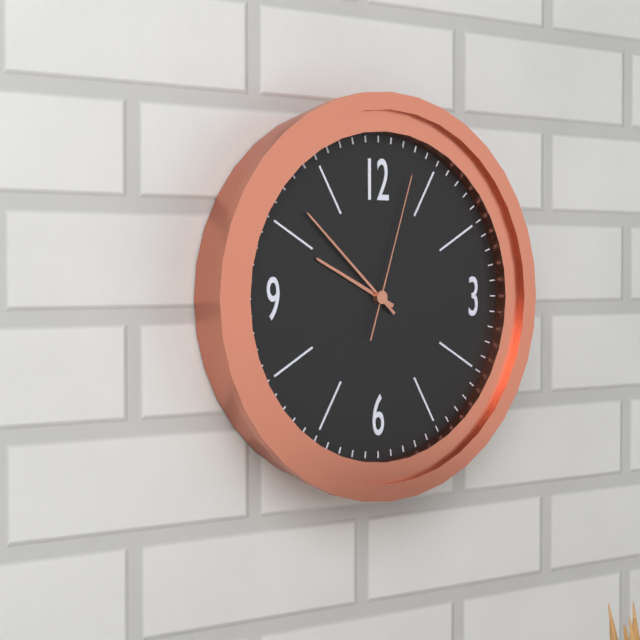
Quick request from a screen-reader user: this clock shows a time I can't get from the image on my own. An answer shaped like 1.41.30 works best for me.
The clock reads 9.52.03
